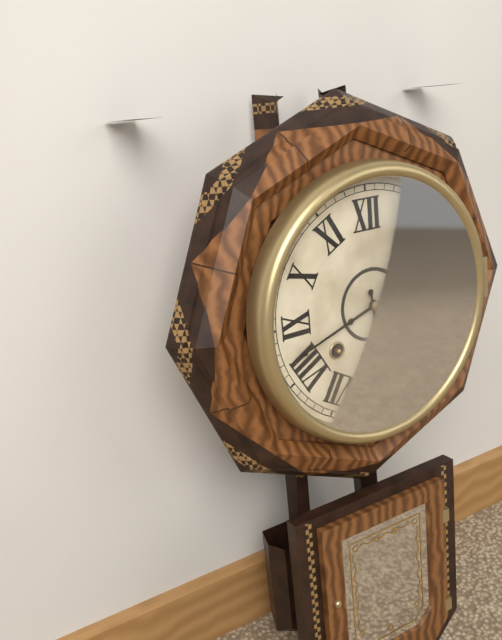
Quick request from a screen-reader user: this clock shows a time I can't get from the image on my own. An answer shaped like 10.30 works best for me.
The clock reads 5.42
